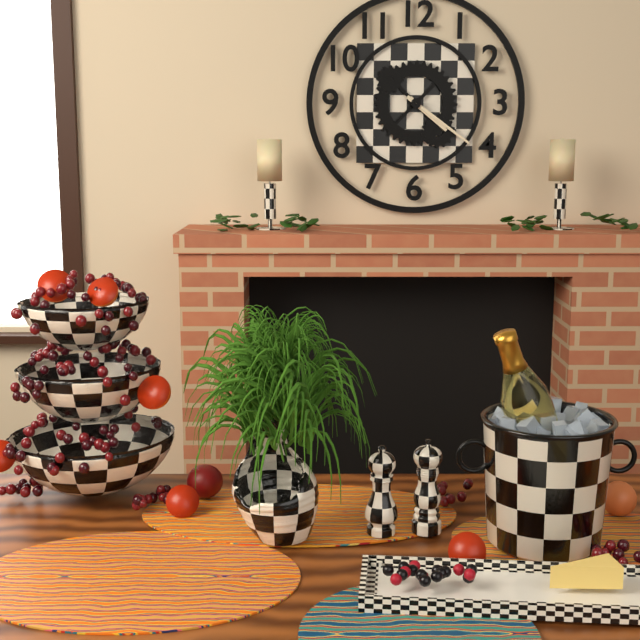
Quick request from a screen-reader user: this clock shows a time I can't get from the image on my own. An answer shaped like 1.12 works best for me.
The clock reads 4.21
